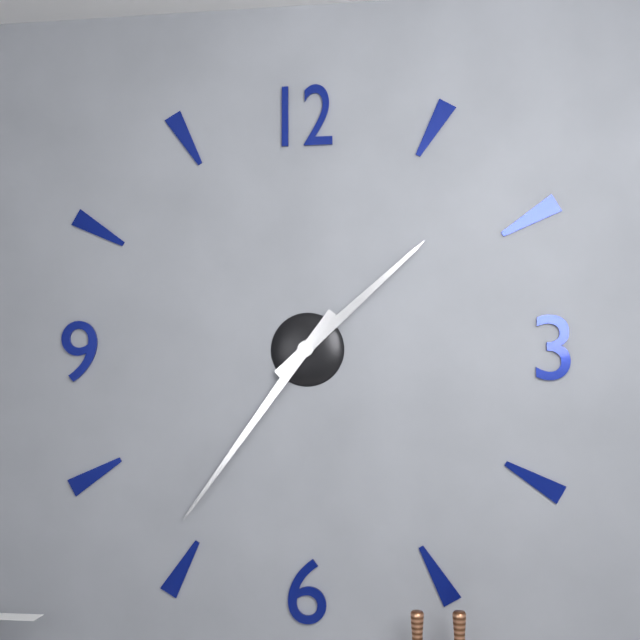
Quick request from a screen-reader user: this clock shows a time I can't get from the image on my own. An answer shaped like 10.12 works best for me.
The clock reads 1.36
